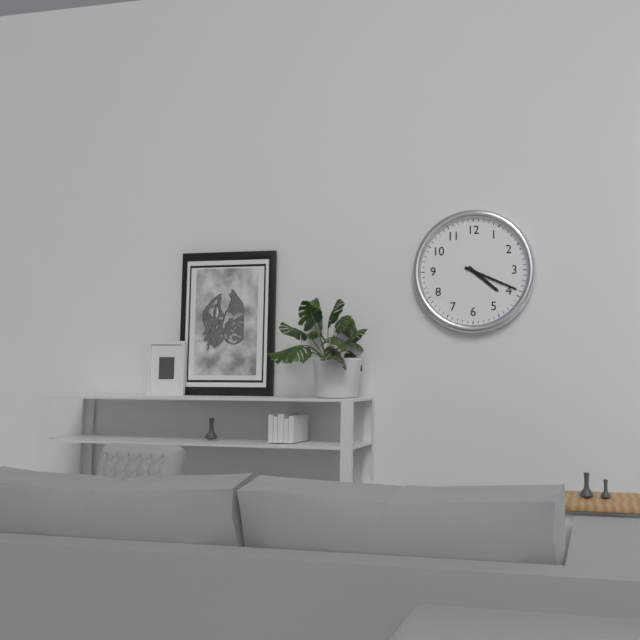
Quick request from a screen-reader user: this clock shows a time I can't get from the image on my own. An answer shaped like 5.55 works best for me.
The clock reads 4.19
